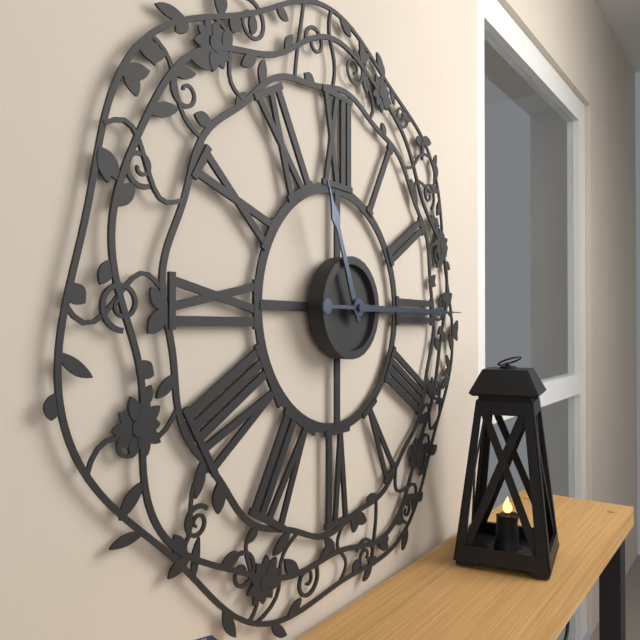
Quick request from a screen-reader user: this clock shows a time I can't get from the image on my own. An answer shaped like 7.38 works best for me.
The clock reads 11.15
